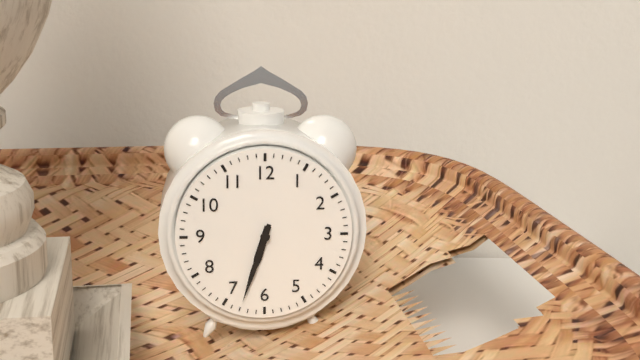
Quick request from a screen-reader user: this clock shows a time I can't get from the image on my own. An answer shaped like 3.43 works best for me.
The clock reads 6.33
